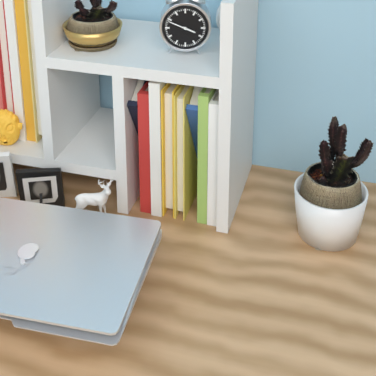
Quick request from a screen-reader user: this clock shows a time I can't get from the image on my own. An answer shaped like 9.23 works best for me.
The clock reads 3.49
